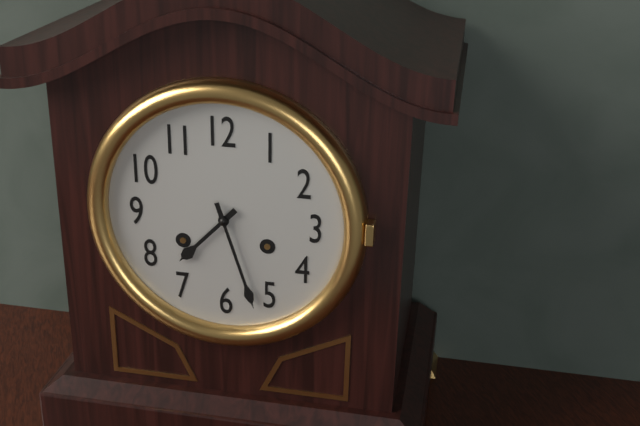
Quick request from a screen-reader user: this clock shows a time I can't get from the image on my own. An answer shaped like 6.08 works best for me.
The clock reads 7.27
